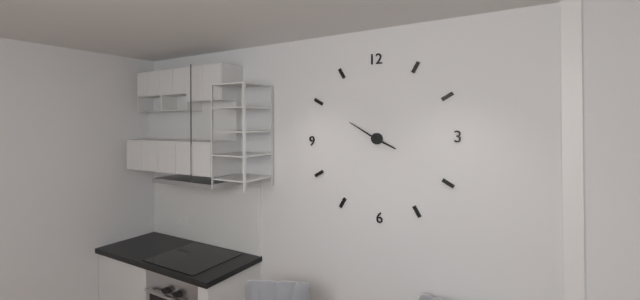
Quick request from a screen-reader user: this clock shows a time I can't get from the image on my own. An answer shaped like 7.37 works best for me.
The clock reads 3.50
